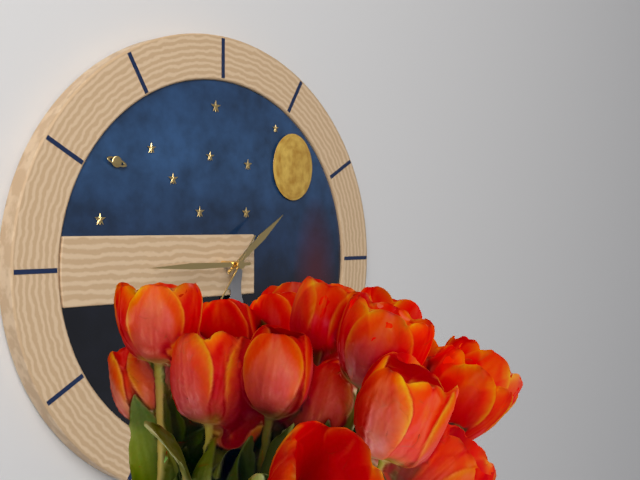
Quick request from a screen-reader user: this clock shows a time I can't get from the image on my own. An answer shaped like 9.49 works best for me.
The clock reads 1.45
